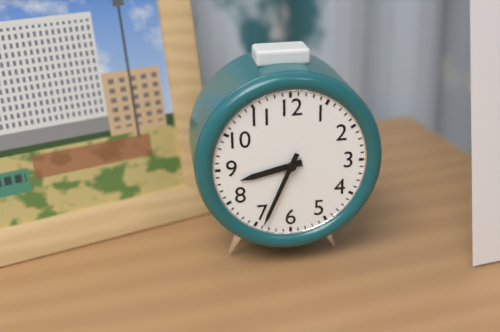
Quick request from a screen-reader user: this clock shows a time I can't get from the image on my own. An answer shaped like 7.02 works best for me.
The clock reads 8.34
